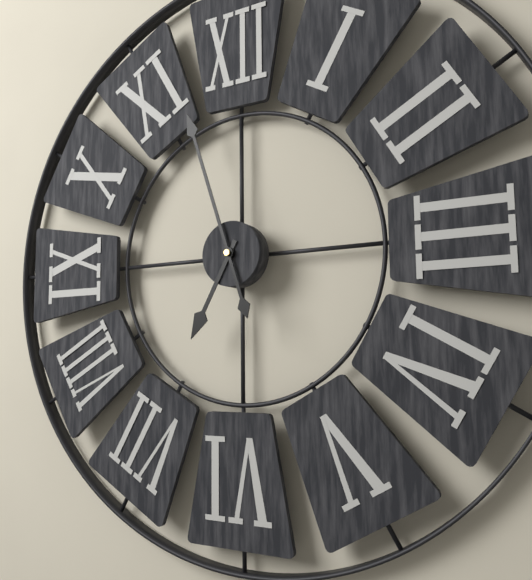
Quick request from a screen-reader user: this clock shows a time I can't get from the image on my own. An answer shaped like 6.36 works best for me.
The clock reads 6.57
